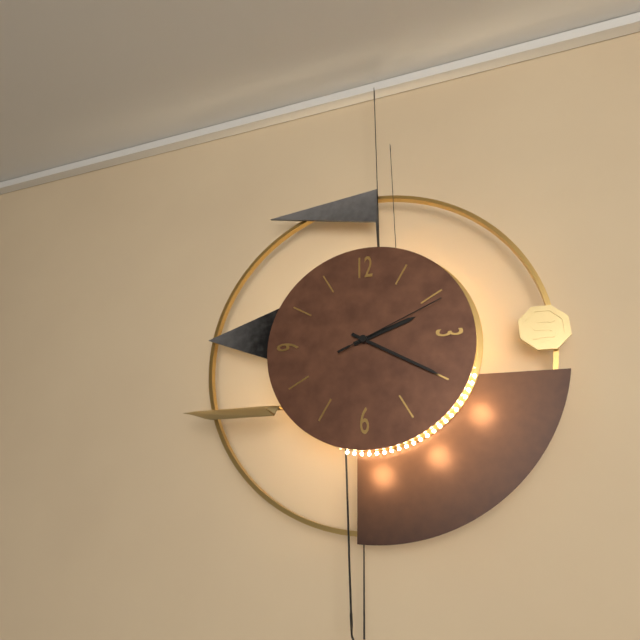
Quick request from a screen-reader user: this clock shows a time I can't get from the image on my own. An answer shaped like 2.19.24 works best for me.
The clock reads 2.20.11
